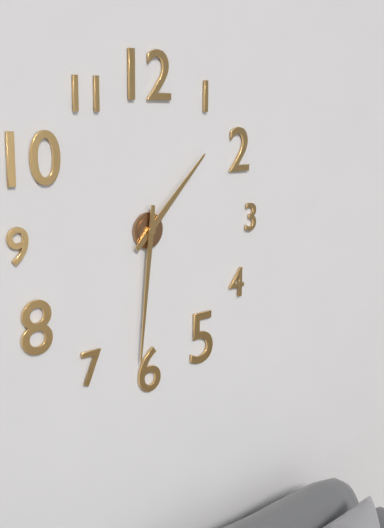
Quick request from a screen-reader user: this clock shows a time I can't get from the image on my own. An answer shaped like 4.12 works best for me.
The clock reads 1.31
